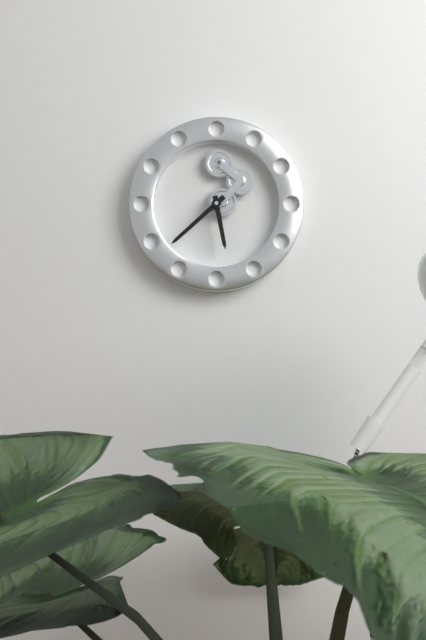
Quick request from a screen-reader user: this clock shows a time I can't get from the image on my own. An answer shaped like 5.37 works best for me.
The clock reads 5.38
